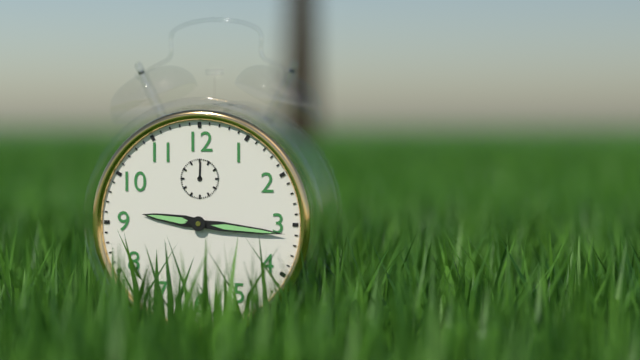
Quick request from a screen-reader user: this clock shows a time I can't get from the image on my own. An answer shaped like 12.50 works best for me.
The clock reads 9.16
